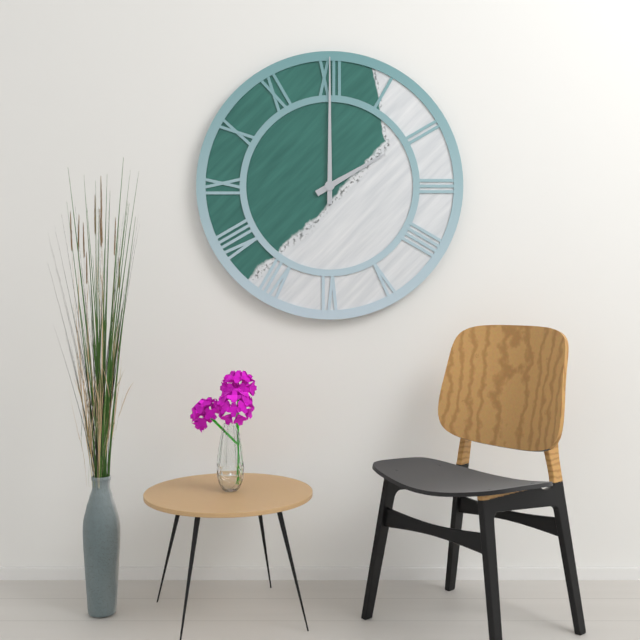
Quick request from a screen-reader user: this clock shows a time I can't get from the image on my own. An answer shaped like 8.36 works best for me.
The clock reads 2.00
